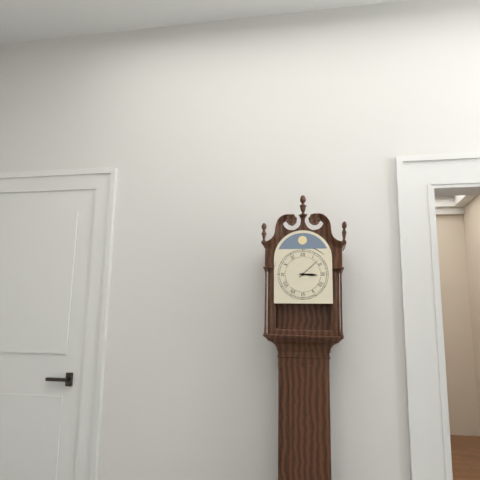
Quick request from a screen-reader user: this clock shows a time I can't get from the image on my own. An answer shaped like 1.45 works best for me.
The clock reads 3.08
